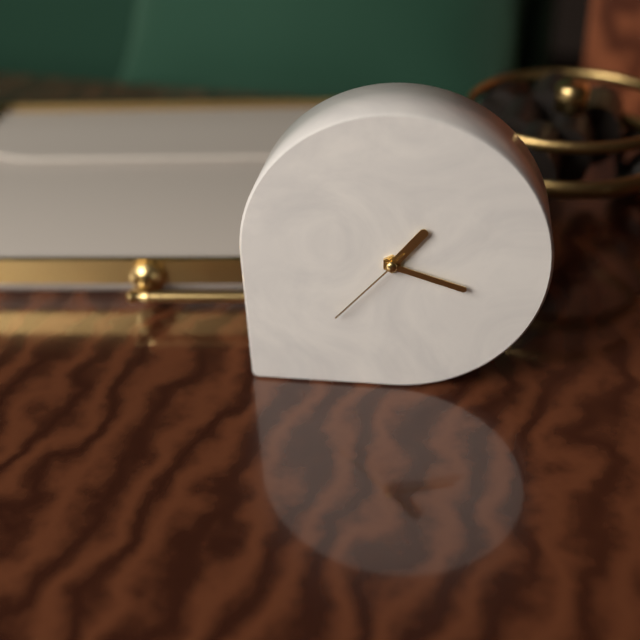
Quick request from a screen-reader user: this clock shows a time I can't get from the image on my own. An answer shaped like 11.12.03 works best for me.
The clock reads 1.18.37
